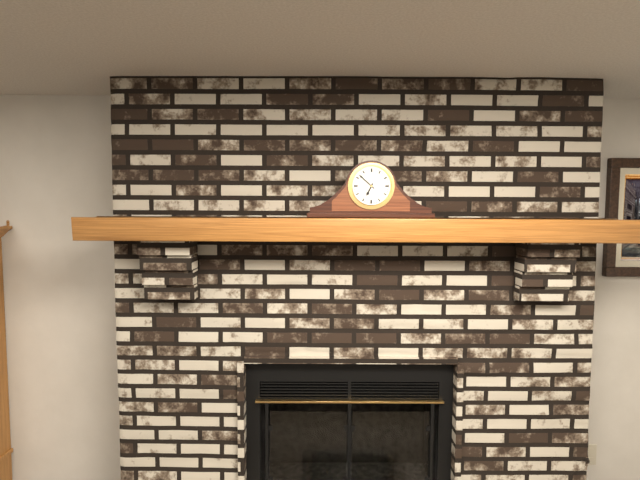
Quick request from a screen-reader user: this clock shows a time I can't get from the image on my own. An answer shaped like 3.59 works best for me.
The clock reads 6.52
